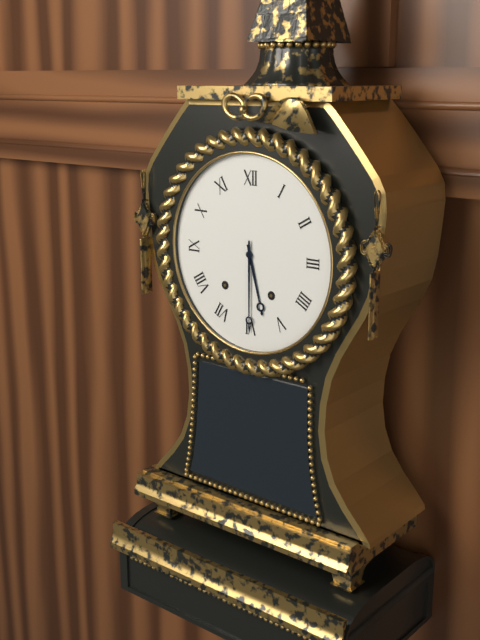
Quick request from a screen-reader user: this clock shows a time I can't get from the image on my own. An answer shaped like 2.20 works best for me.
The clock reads 5.30
